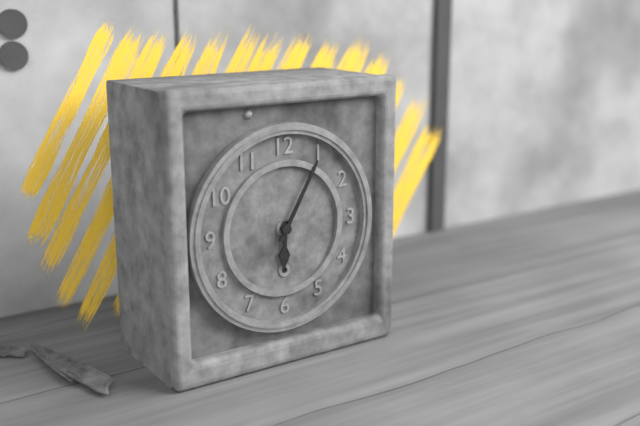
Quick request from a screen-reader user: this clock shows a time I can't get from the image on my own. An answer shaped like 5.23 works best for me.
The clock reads 6.05
